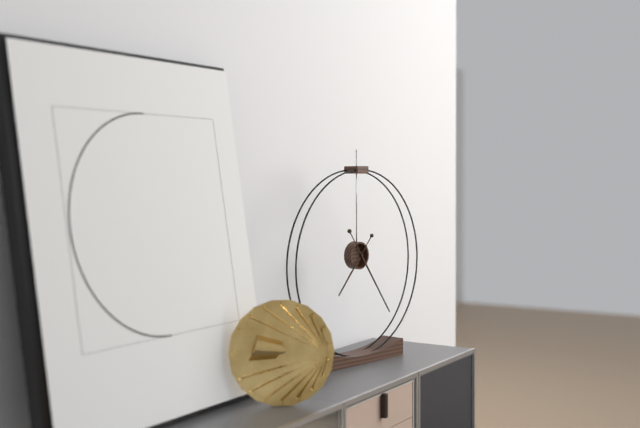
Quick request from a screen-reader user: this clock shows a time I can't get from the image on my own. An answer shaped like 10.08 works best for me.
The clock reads 7.24
